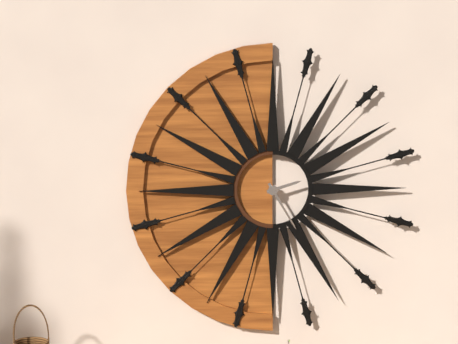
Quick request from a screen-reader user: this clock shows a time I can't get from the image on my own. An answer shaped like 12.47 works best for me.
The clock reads 2.25
